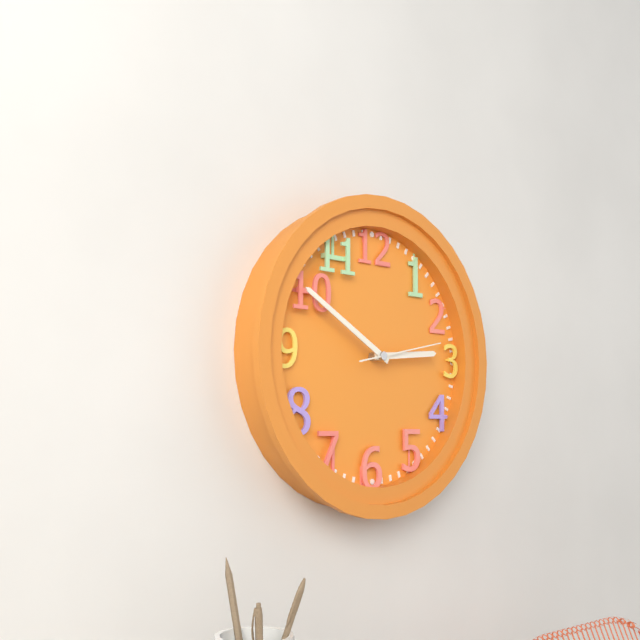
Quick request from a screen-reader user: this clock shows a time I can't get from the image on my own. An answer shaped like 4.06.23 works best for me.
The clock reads 2.50.13
